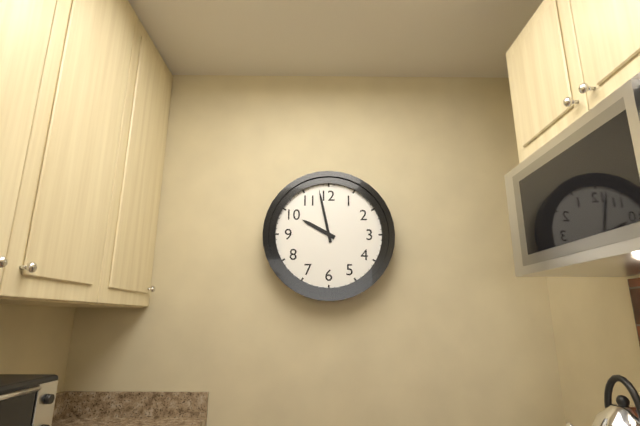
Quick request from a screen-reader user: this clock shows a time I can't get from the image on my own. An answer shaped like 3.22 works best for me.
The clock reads 9.58
